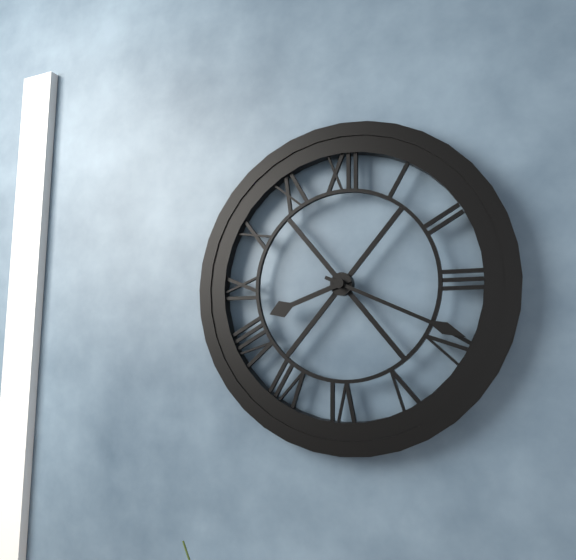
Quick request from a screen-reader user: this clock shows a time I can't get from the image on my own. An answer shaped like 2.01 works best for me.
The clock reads 8.19
